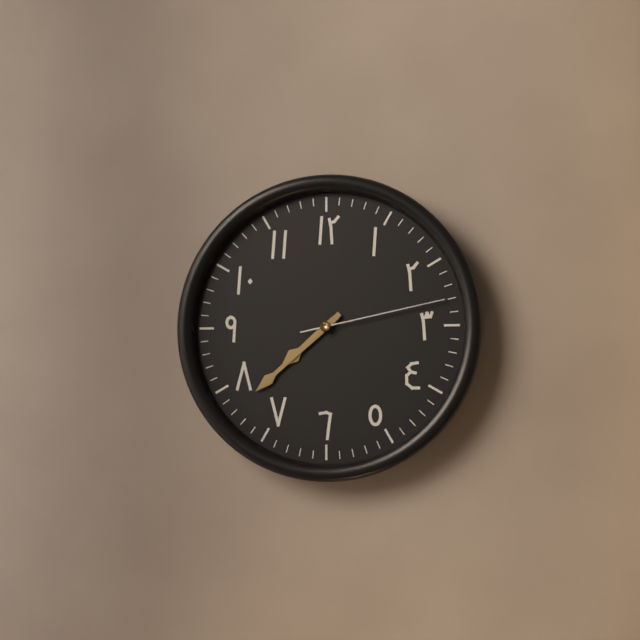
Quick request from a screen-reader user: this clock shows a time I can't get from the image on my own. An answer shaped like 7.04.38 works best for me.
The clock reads 7.38.13
